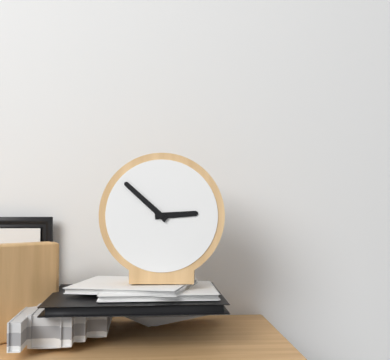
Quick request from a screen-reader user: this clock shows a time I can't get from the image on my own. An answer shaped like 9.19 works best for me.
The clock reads 2.52
